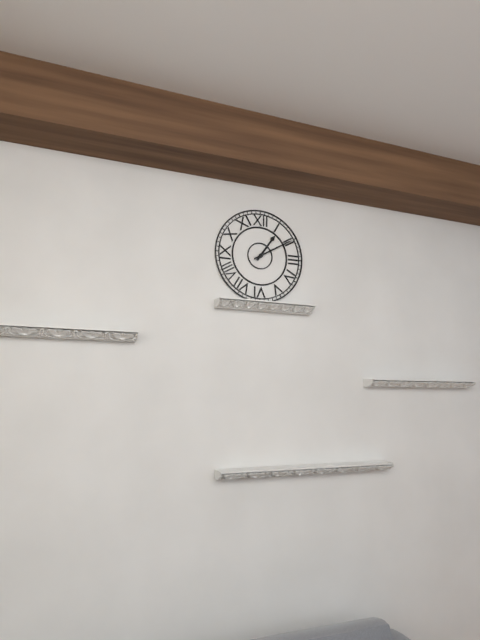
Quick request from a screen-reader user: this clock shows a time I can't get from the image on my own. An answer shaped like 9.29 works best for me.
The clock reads 1.10
